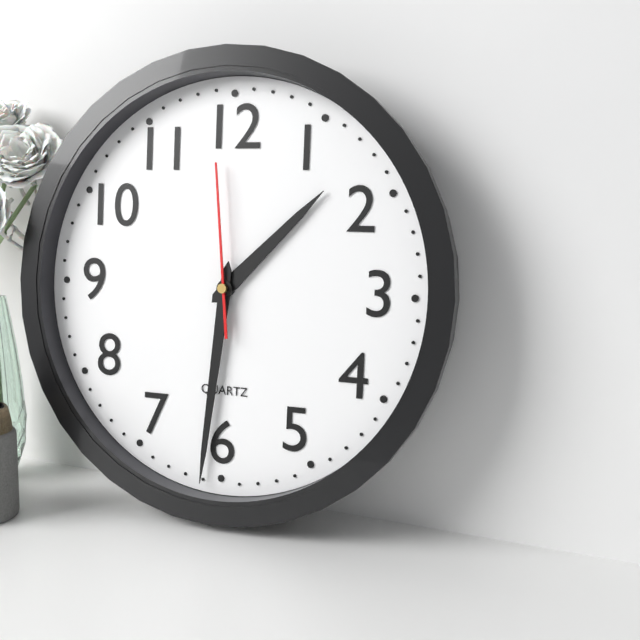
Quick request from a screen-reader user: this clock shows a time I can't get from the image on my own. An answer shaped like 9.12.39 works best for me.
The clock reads 1.31.59
